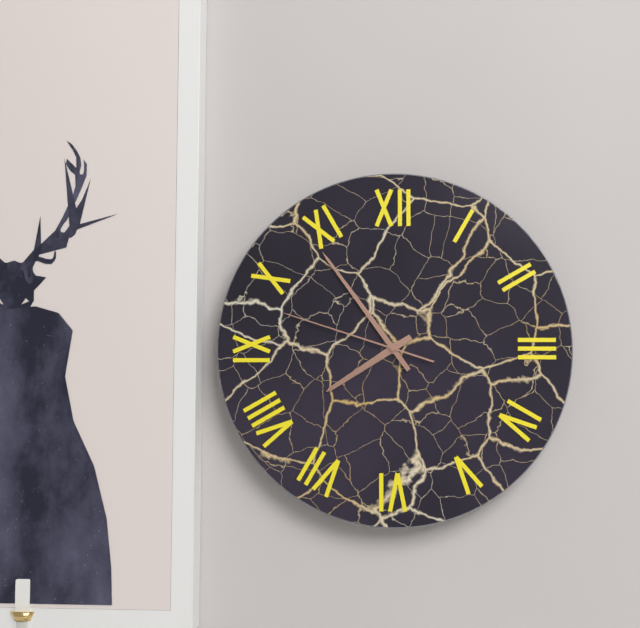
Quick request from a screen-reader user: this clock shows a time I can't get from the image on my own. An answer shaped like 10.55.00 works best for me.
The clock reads 7.54.48
